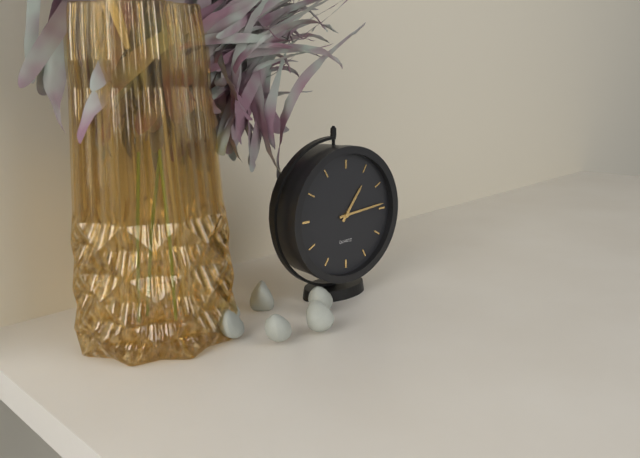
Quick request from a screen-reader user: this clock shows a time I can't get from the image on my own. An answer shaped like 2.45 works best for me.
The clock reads 1.14
